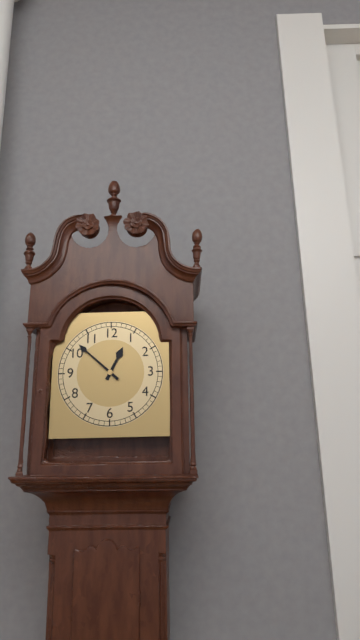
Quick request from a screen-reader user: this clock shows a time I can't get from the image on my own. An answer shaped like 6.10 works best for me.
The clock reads 12.52
